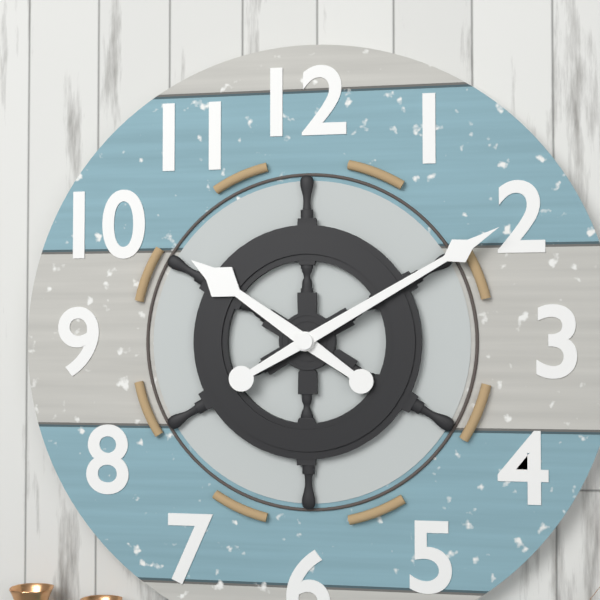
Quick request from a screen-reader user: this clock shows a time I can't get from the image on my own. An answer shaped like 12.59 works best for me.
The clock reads 10.10
